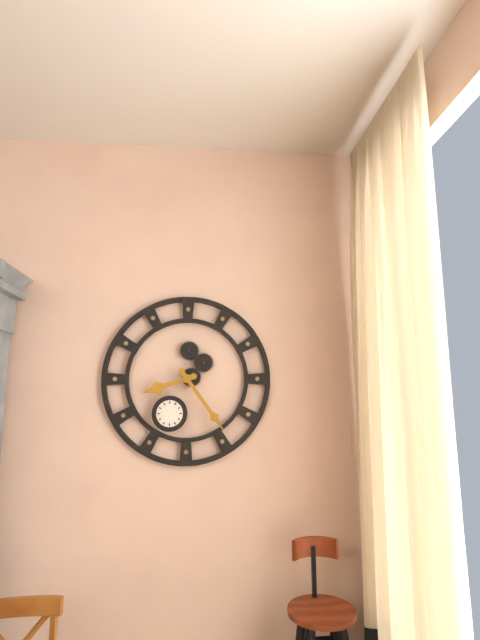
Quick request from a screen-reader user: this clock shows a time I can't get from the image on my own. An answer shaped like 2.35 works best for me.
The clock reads 8.24
